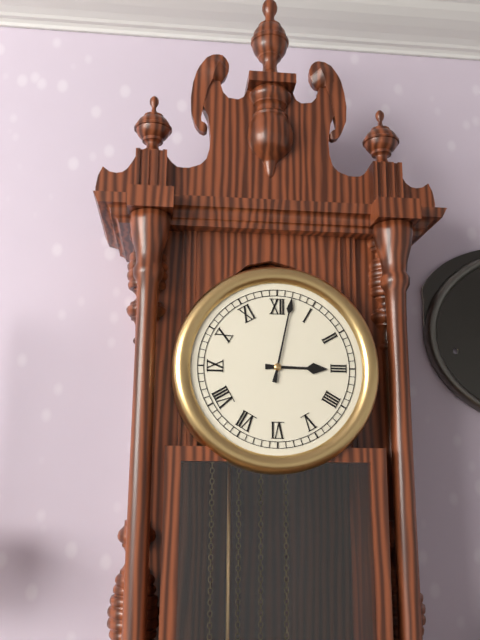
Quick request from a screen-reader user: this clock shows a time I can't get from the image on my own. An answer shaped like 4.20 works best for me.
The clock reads 3.02
